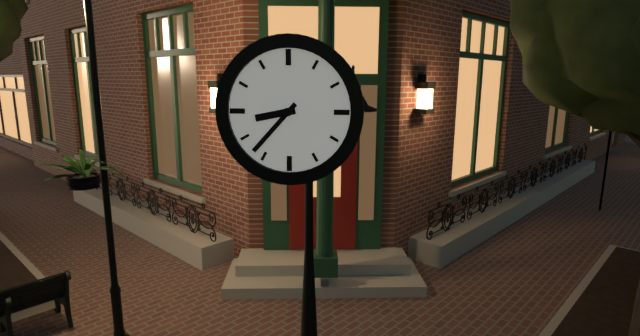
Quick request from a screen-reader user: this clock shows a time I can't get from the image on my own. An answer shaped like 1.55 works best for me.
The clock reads 8.37
